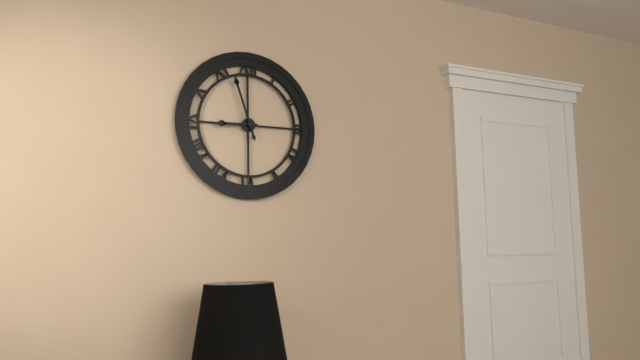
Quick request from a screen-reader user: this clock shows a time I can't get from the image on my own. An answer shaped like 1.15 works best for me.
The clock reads 8.57
